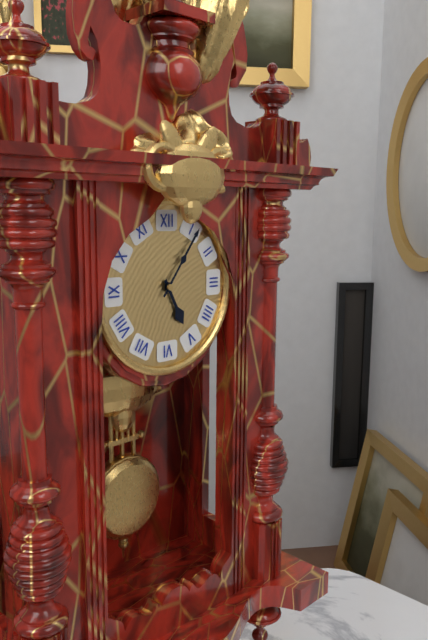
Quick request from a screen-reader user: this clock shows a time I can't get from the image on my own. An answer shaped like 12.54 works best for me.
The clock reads 5.06
